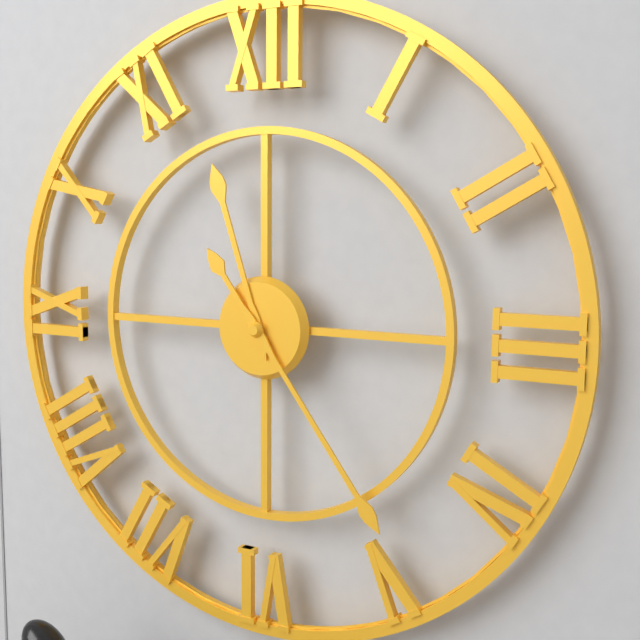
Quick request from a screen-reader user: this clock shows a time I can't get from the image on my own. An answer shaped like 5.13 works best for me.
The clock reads 11.24
